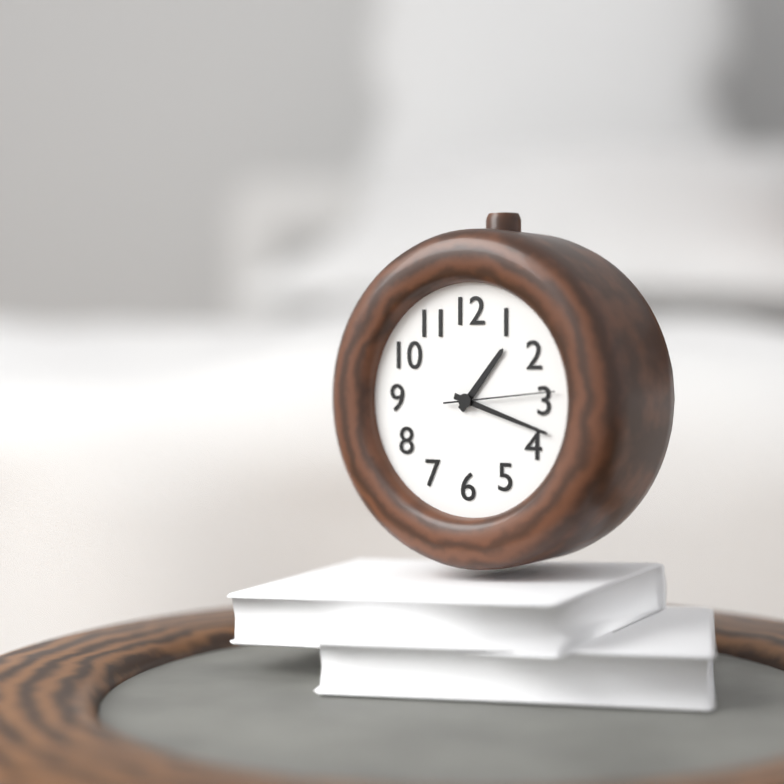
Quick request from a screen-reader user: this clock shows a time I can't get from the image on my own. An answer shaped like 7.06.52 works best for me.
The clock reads 1.18.14
